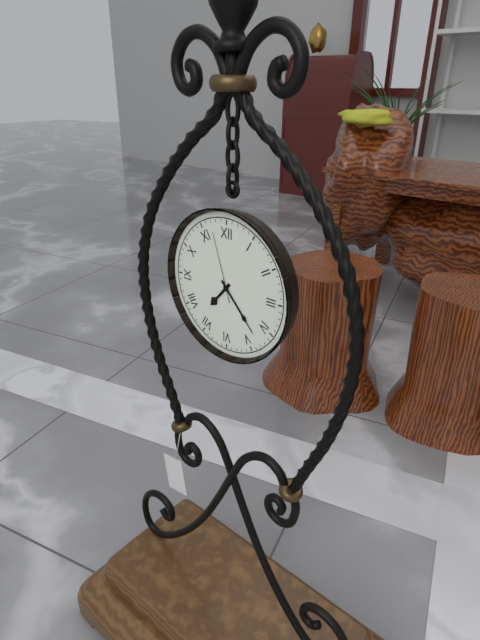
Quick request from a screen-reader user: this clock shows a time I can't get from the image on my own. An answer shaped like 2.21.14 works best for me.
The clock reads 7.23.57
